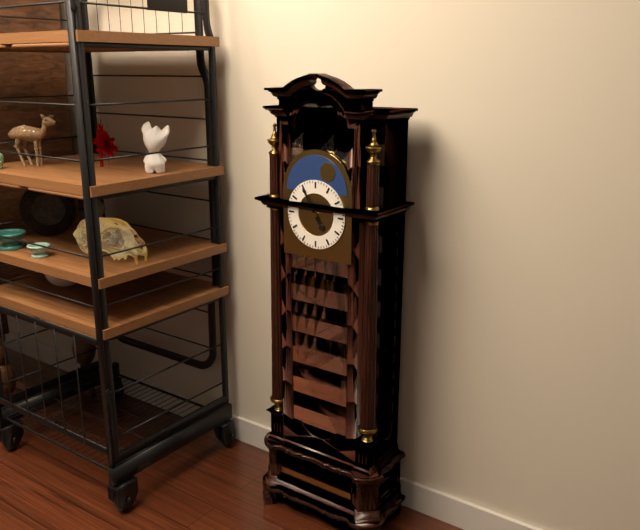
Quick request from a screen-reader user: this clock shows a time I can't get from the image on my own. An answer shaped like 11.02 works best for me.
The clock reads 4.55
